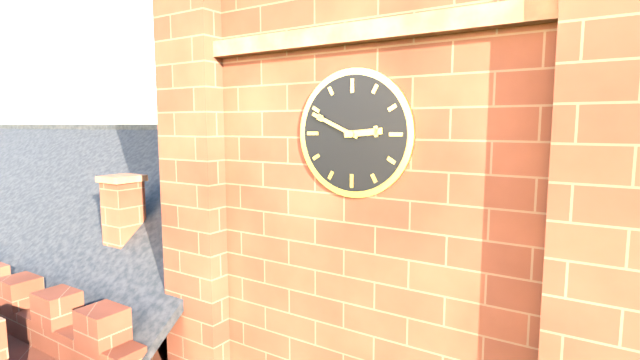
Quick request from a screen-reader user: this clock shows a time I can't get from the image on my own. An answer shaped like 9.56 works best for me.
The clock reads 2.49
